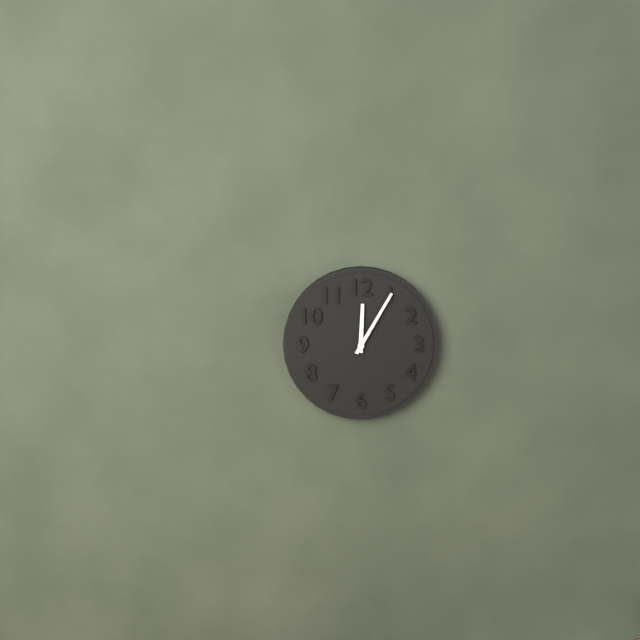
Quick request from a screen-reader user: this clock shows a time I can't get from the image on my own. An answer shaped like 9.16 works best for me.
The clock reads 12.05
